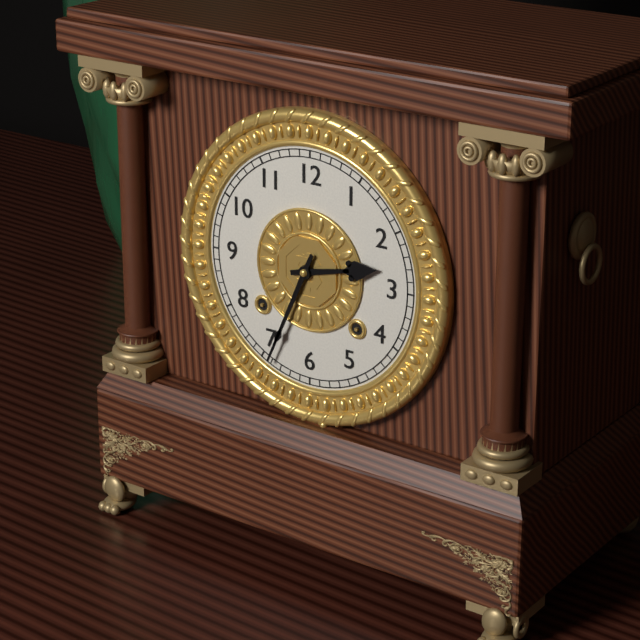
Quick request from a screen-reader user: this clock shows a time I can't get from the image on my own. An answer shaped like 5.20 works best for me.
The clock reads 2.34
